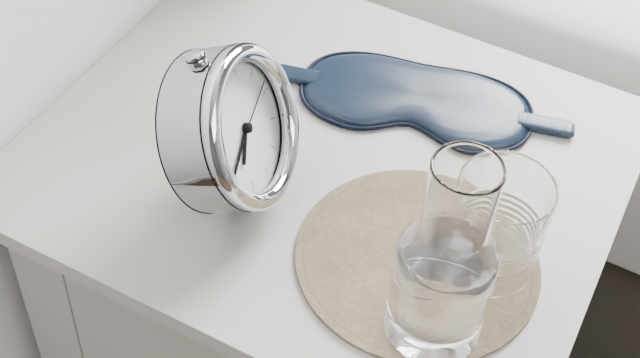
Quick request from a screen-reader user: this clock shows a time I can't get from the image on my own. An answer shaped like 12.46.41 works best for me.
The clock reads 7.42.13
